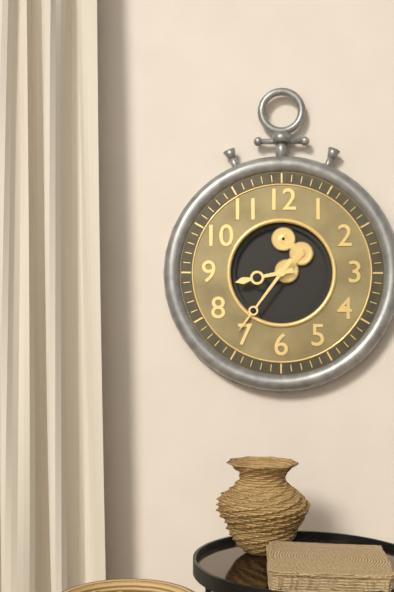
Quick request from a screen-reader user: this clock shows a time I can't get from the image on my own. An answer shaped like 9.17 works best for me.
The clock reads 8.36
